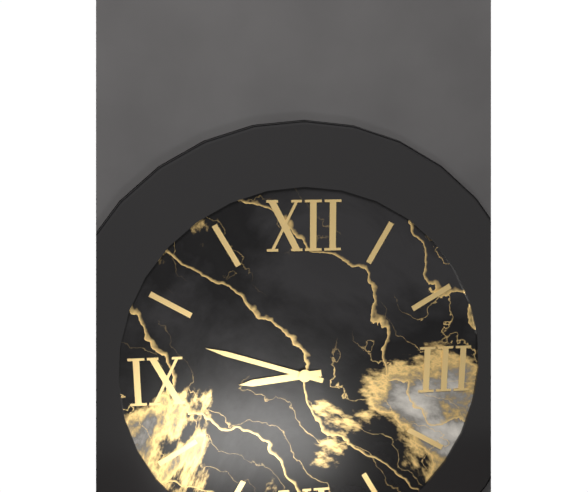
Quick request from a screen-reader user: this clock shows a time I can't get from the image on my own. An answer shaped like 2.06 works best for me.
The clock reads 8.48
